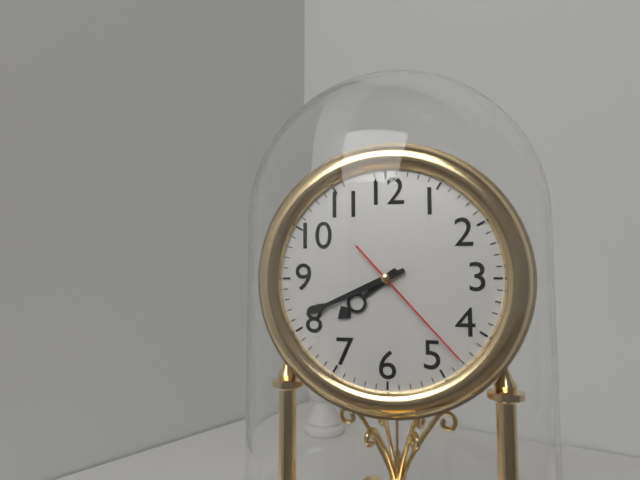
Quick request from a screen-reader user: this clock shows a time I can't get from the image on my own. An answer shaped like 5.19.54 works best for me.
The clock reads 7.41.23
